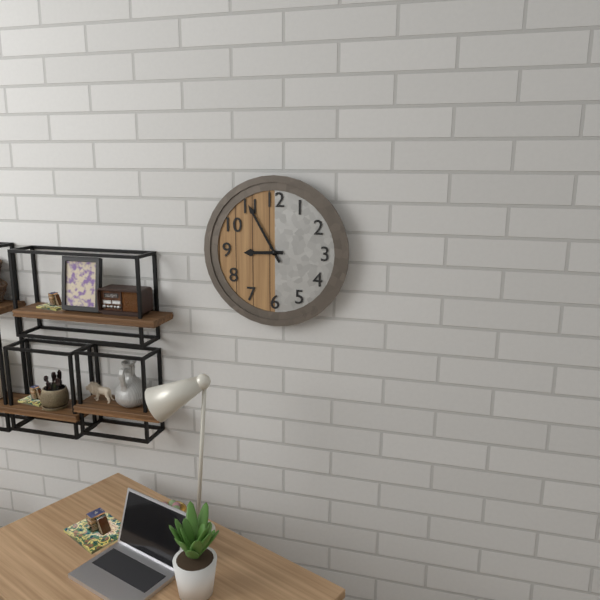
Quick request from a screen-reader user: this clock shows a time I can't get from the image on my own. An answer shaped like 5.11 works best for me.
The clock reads 8.55
